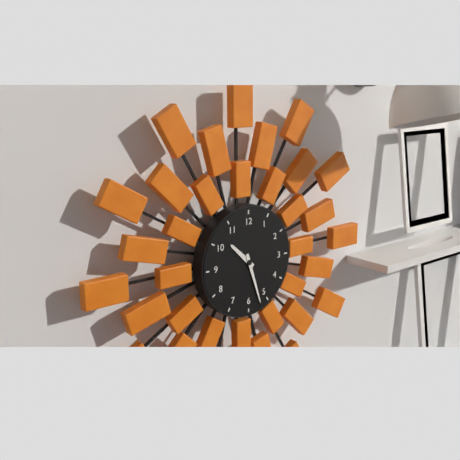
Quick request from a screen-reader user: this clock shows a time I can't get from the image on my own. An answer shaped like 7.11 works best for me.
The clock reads 10.27
